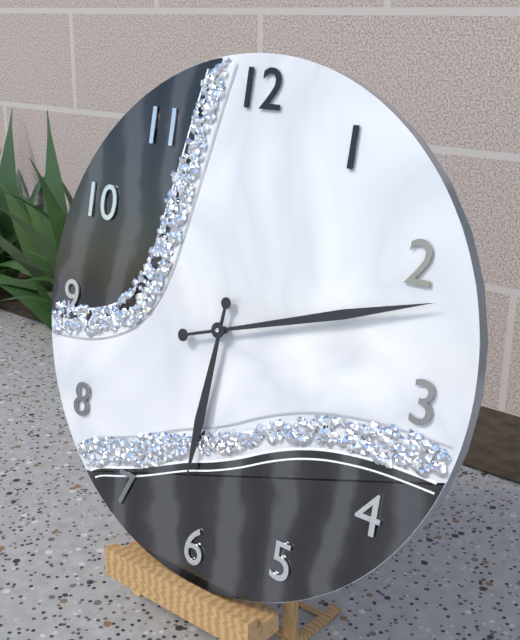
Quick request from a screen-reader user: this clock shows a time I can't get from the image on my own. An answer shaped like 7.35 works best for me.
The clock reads 6.12
